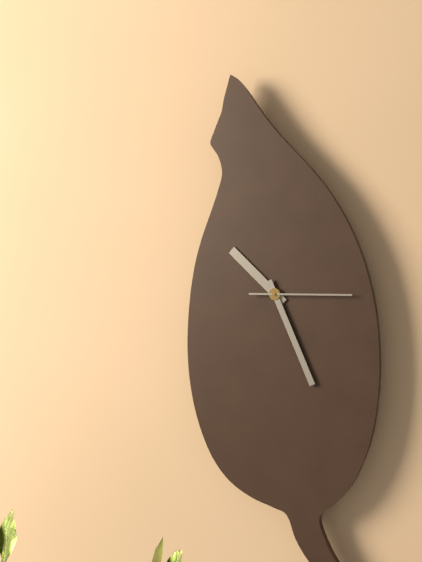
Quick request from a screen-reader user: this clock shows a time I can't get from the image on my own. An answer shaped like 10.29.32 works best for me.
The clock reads 10.26.15
